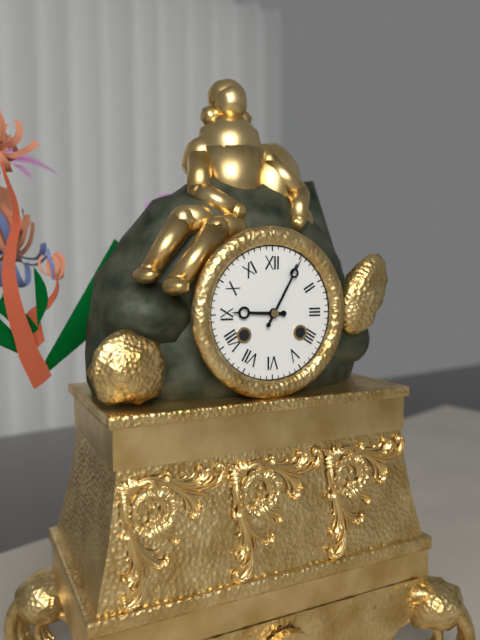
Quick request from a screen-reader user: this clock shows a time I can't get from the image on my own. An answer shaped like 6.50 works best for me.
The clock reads 9.05
